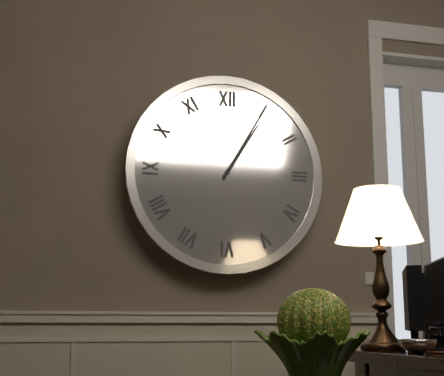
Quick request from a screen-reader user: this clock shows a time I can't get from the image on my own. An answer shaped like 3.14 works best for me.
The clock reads 1.05
